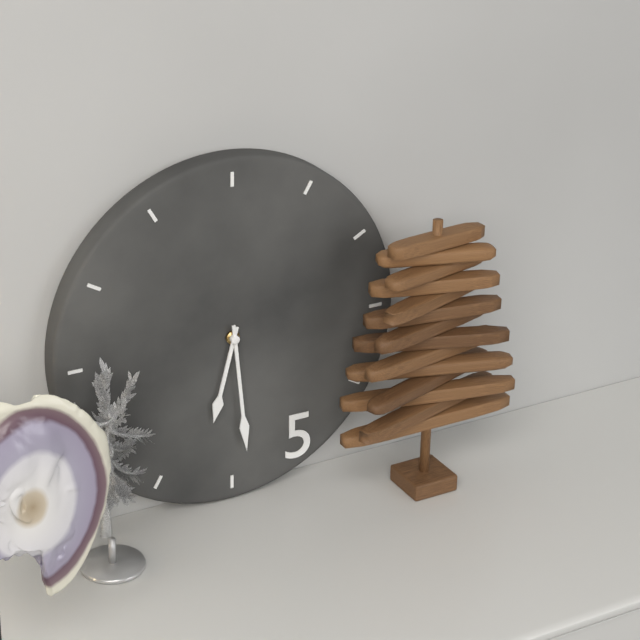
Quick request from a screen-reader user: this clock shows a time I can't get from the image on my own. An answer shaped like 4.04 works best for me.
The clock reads 6.29
